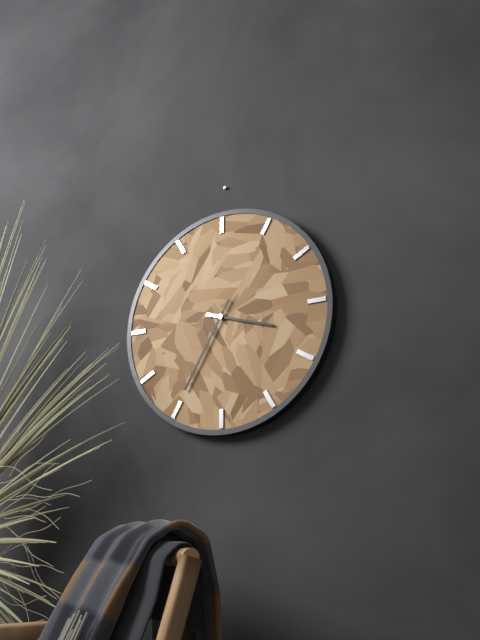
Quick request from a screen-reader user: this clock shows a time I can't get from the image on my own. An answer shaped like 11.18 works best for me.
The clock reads 3.35
